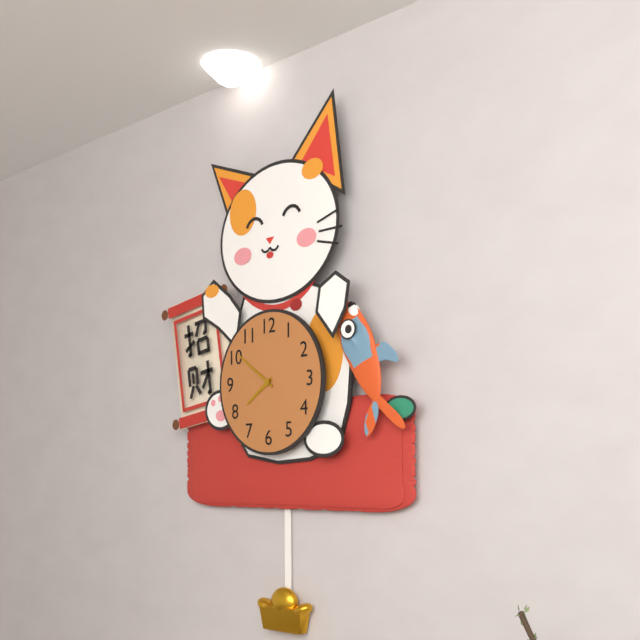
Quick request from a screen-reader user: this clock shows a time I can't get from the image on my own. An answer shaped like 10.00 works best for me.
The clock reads 7.51
